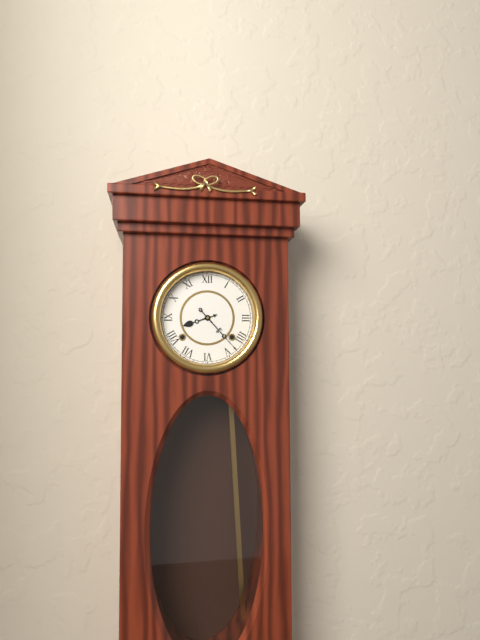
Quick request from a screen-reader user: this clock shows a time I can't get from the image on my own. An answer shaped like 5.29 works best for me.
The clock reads 8.23
